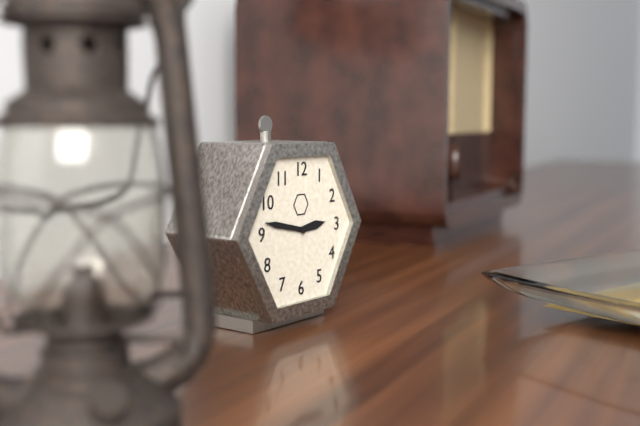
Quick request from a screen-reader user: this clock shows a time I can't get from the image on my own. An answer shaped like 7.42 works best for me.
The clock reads 2.47
